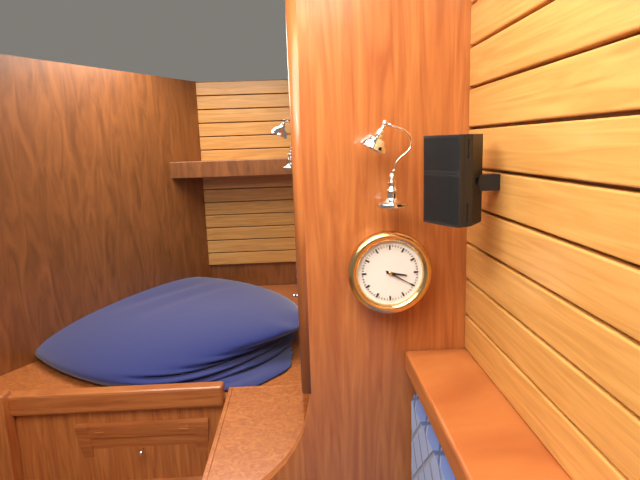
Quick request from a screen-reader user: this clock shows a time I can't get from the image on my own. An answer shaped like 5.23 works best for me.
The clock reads 3.20
